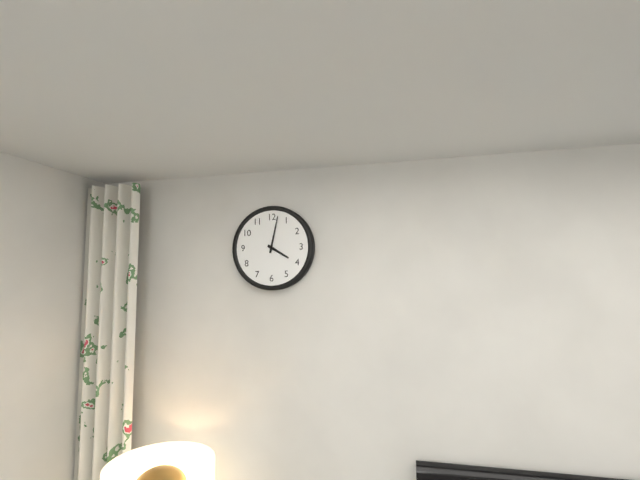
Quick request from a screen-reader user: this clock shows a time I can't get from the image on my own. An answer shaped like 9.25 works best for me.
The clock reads 4.02
